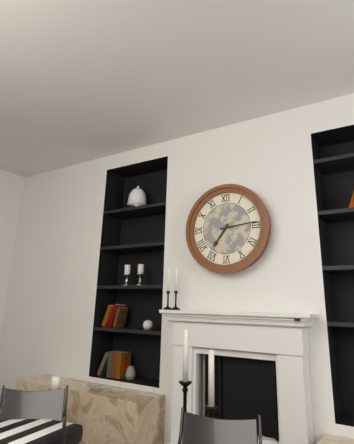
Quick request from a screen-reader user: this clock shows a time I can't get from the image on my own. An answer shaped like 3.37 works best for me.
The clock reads 7.14
